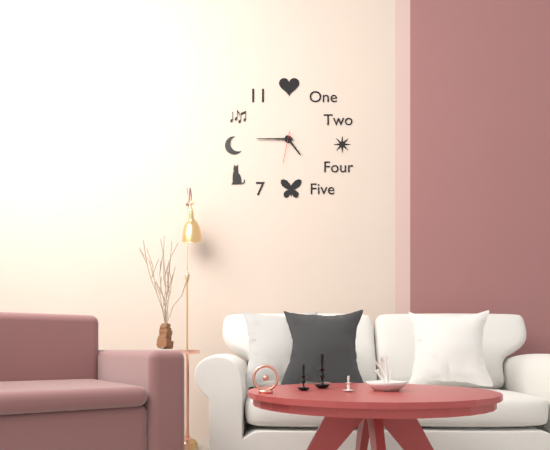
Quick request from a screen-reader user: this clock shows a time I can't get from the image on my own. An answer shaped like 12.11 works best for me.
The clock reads 4.45
